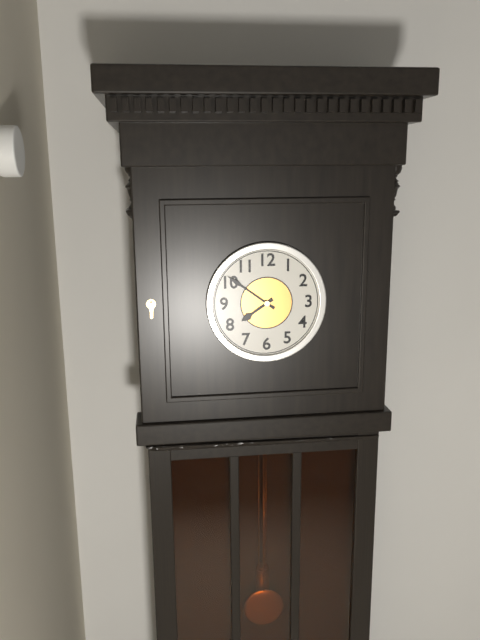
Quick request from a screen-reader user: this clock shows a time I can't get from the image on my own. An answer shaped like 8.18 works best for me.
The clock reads 7.51
